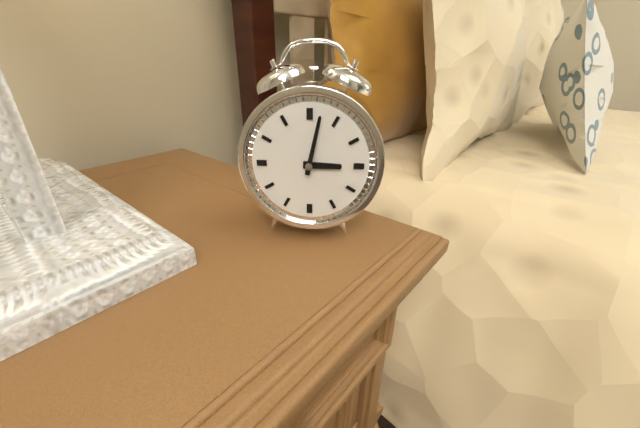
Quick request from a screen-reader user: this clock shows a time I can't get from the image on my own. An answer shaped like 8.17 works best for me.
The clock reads 3.02
